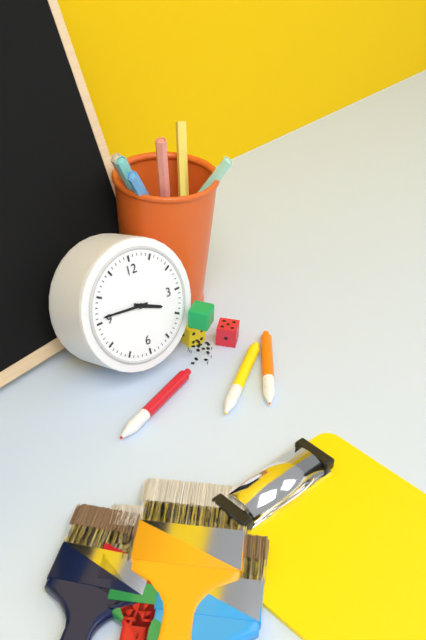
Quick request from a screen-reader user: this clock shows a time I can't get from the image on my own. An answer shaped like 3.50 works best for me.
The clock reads 3.46
